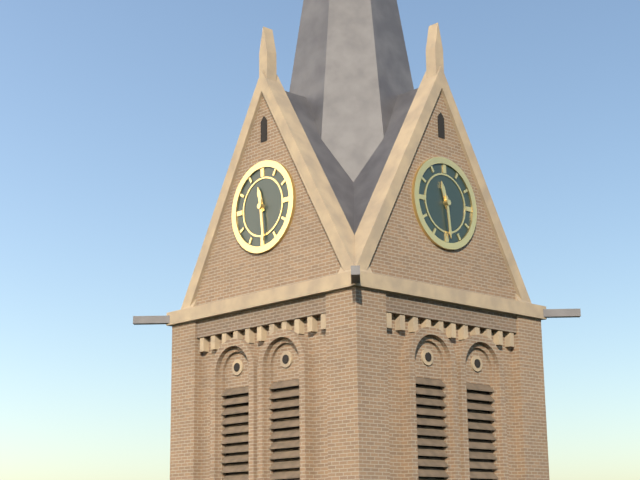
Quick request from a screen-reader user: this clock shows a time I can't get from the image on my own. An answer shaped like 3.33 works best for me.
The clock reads 11.29
